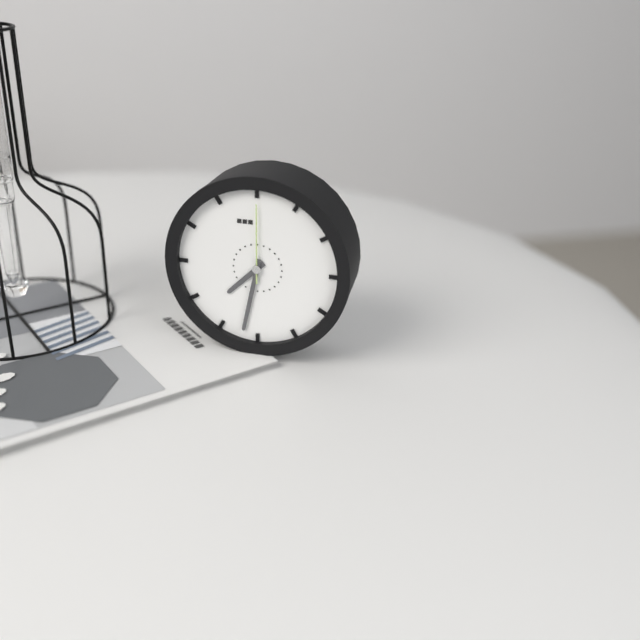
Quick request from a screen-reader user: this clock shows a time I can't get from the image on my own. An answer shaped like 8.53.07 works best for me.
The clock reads 7.32.00
